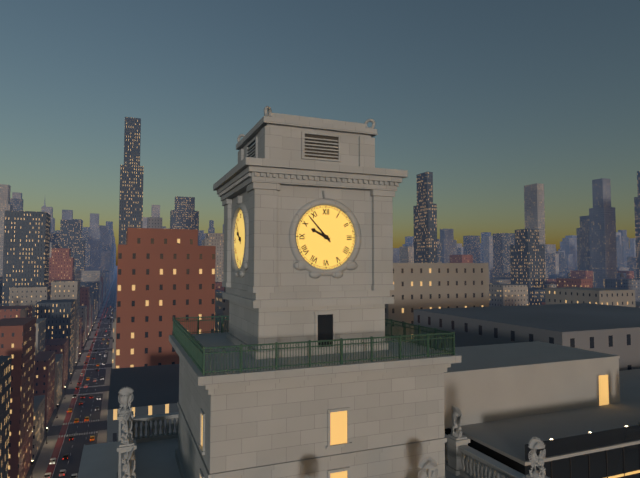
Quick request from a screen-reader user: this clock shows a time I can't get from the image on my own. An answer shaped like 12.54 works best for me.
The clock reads 9.53
